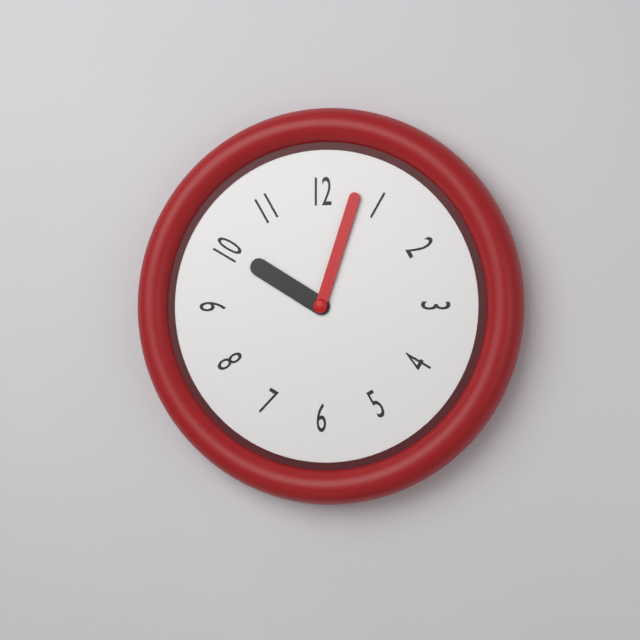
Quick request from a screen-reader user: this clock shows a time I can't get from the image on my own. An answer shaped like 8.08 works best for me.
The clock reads 10.03
